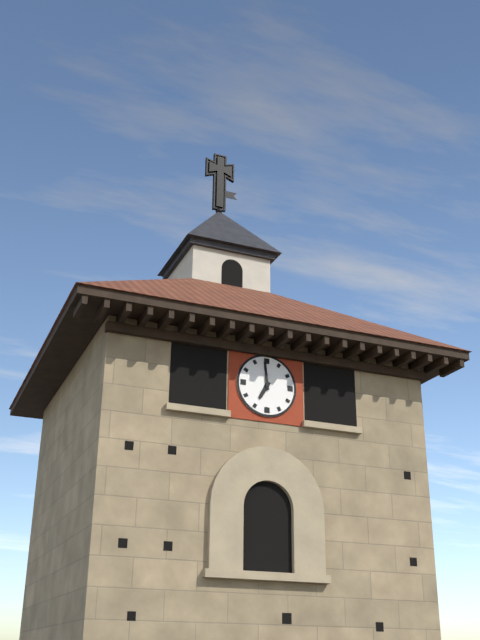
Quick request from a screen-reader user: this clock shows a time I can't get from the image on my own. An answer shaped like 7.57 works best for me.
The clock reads 6.59
